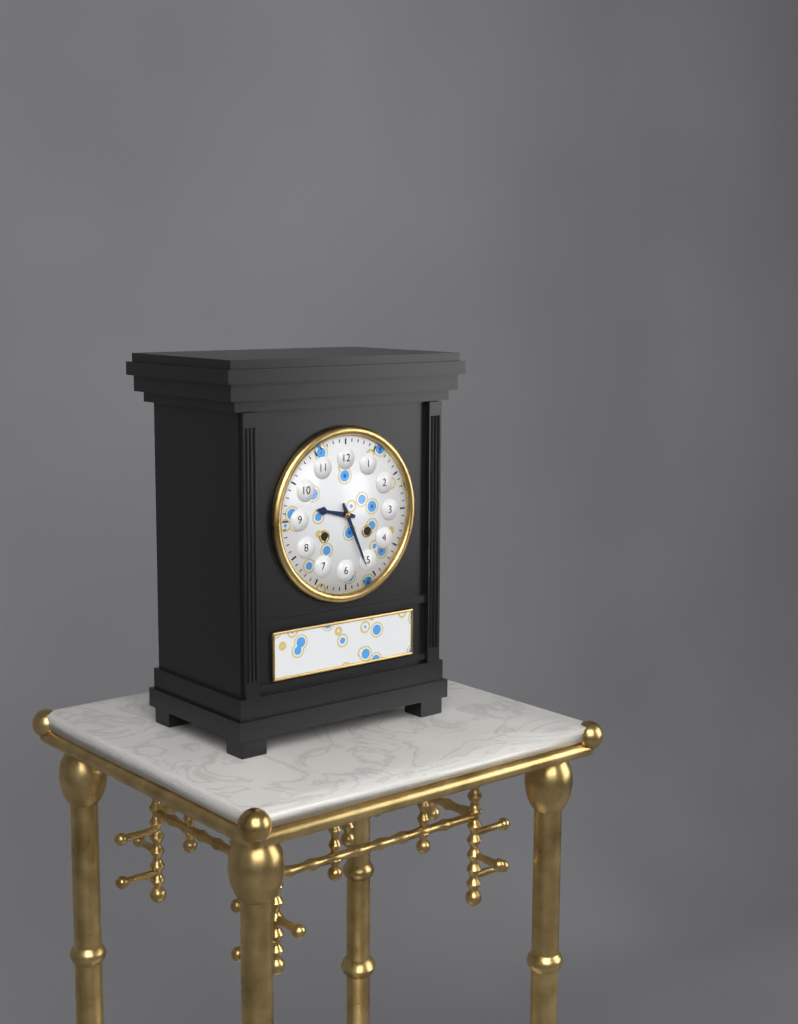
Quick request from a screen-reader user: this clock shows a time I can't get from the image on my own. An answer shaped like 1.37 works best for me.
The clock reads 9.26
